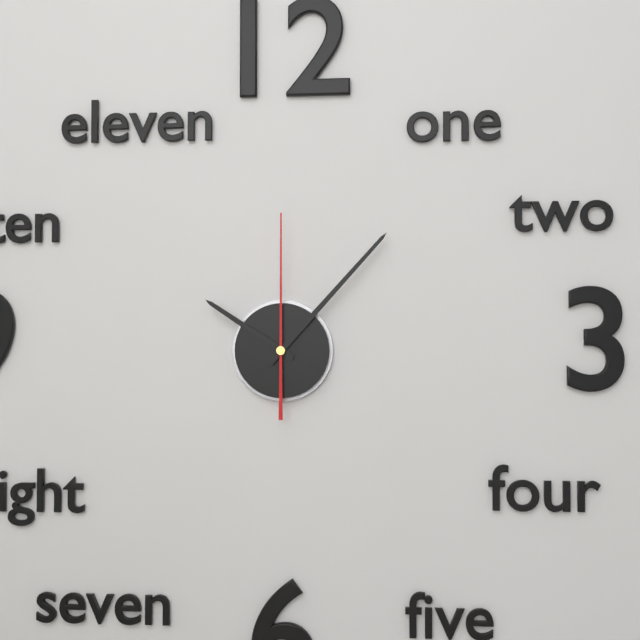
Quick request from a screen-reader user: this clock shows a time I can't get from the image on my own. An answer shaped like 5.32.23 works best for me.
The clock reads 10.07.00
